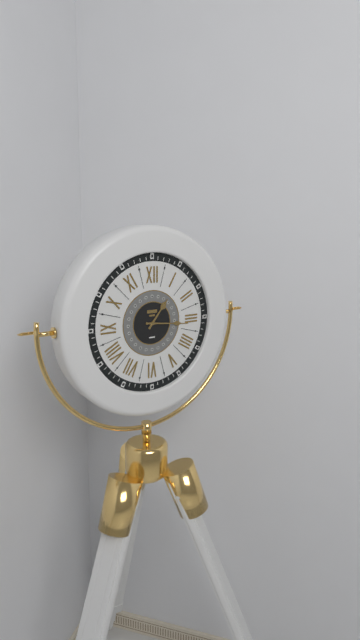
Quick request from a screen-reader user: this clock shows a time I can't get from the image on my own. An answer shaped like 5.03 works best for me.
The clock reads 1.16
